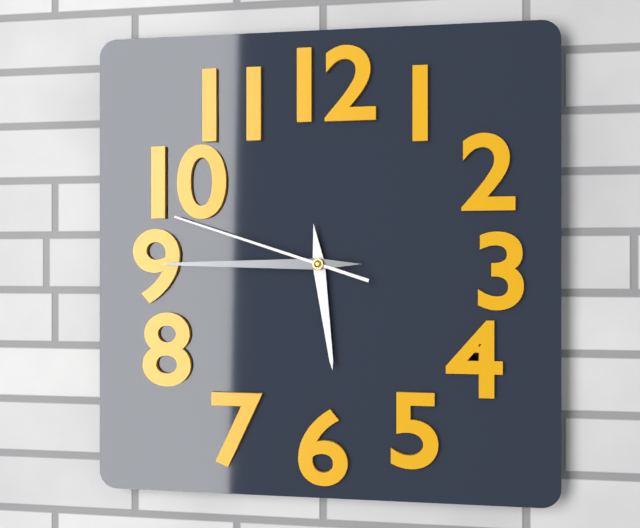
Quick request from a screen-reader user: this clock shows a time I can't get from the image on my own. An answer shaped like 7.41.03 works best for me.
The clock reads 5.45.48
